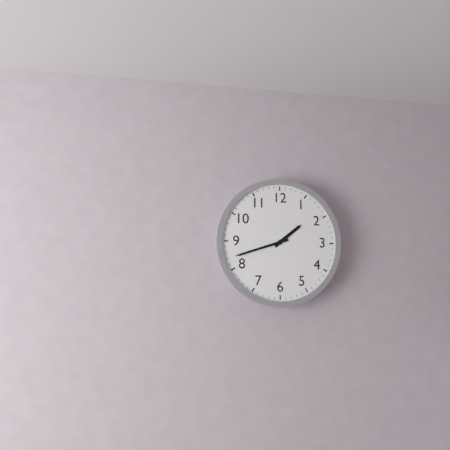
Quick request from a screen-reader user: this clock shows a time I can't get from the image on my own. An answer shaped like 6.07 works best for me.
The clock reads 1.42
